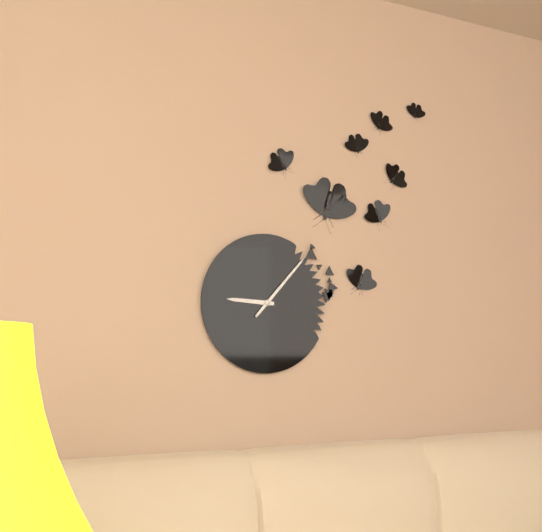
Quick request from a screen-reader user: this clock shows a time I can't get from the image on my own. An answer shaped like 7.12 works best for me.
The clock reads 9.07
